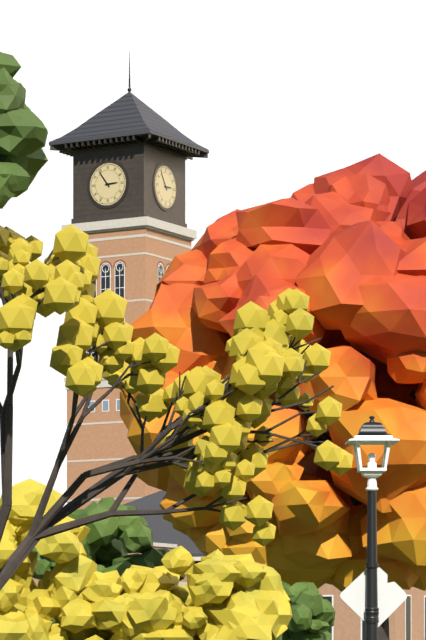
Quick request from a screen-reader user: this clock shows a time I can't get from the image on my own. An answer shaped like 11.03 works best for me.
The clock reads 2.54
